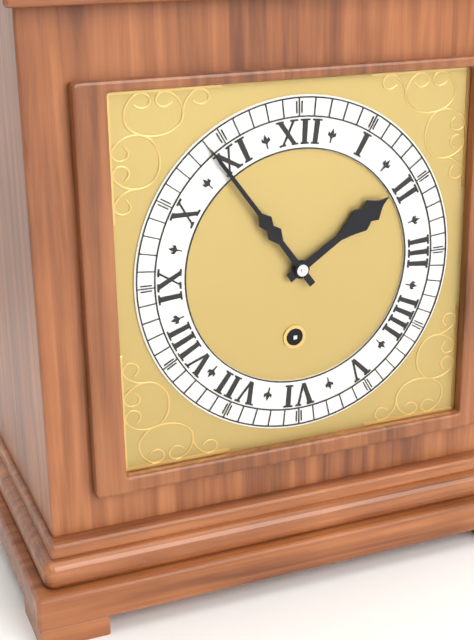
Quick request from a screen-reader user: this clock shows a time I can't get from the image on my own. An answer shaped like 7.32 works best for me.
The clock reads 1.54
